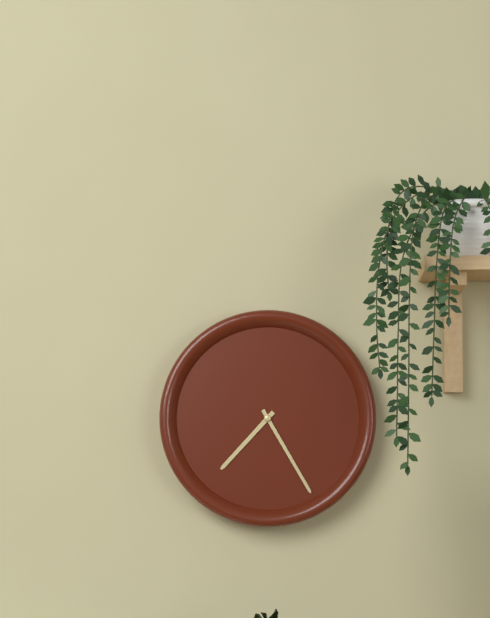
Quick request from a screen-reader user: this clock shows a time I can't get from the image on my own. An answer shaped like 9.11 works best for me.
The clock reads 7.25
